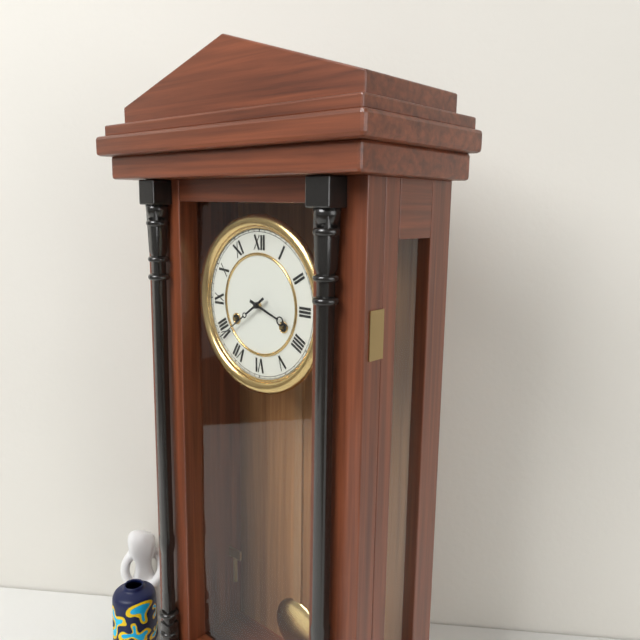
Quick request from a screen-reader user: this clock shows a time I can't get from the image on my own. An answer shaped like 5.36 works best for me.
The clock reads 3.39
